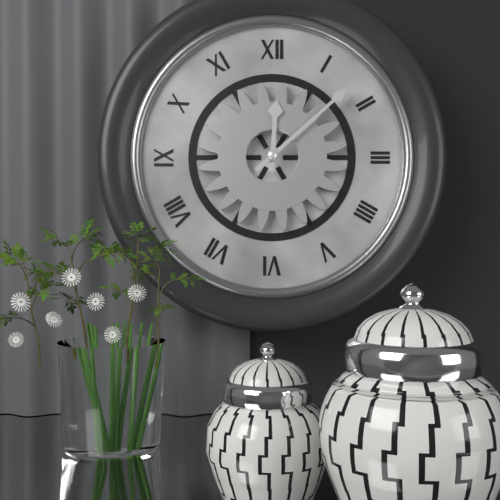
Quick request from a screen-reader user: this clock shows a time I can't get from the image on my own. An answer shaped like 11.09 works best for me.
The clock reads 12.08
